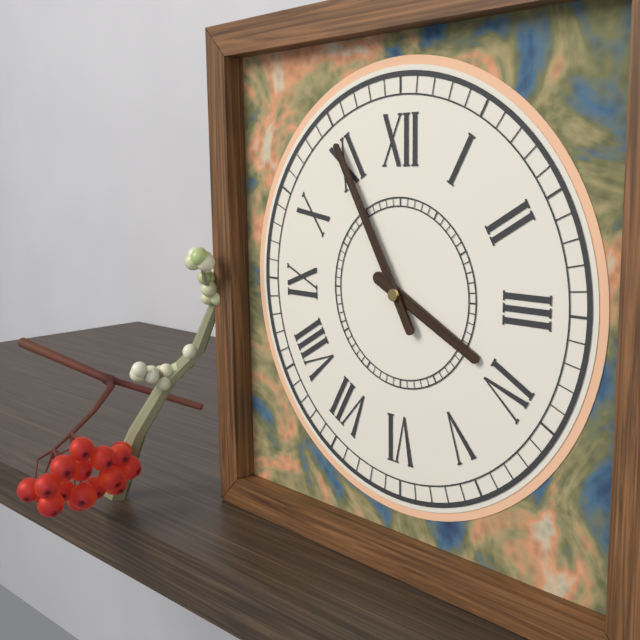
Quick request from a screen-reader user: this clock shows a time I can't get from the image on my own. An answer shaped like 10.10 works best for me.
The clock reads 3.55
